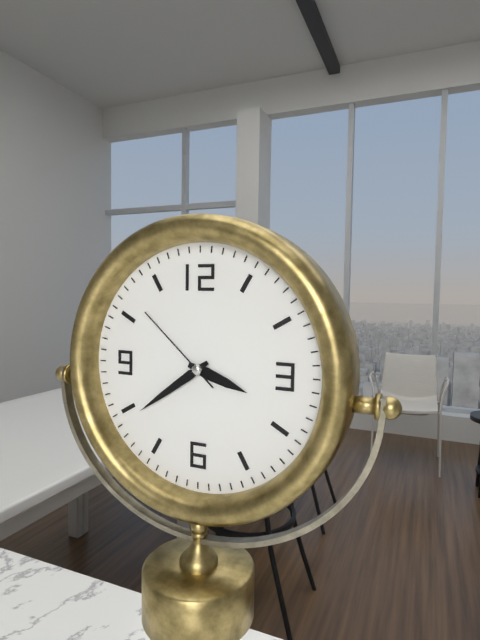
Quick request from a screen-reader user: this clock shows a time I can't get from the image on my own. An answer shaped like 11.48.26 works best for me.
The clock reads 3.39.52
